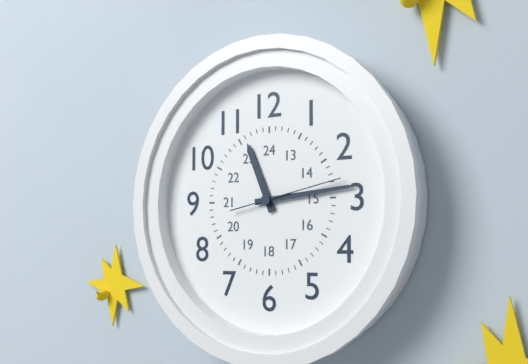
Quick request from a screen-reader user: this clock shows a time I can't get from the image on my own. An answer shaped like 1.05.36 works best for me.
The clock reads 11.14.13
